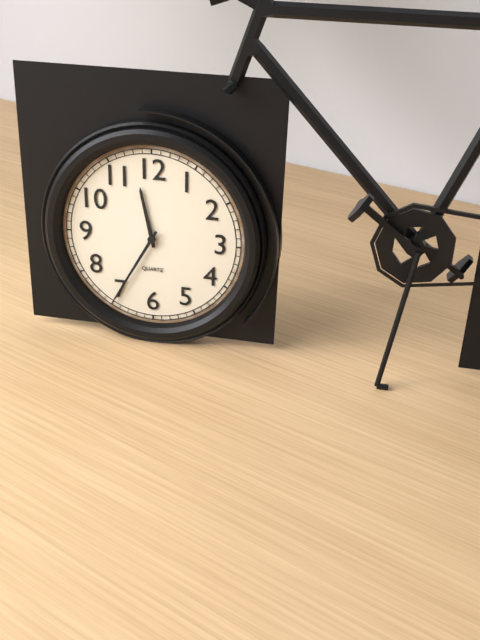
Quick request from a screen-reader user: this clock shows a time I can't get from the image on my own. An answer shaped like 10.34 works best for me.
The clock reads 11.35
